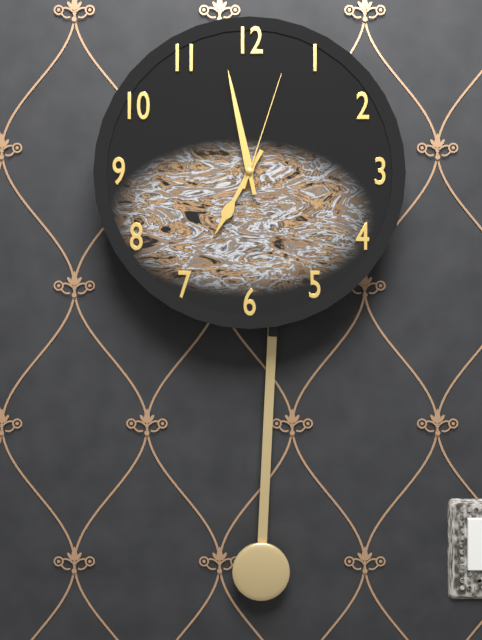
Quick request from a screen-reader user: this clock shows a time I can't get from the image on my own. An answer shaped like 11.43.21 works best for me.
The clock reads 6.58.03
